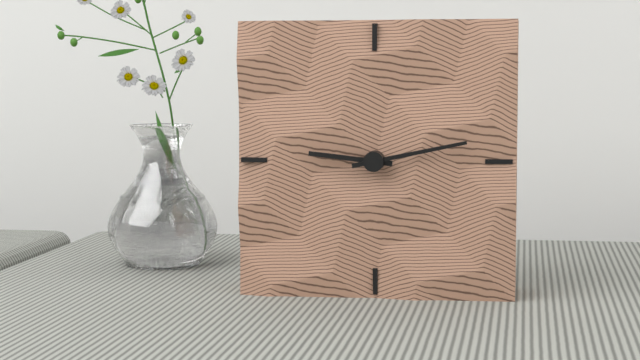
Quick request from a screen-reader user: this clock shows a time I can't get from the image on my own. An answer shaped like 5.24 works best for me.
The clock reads 9.13
